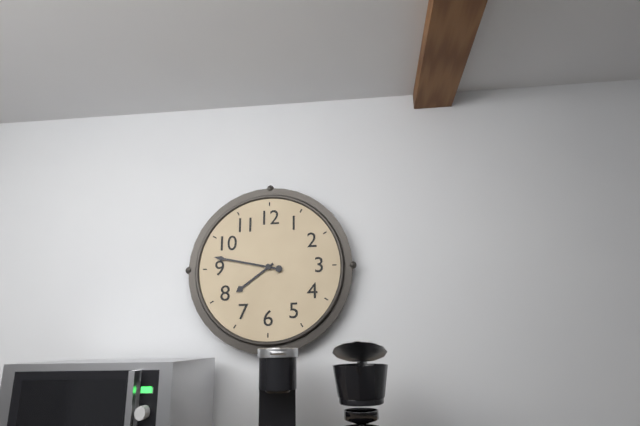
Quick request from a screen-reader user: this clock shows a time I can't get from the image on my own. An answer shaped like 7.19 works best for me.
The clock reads 7.47
